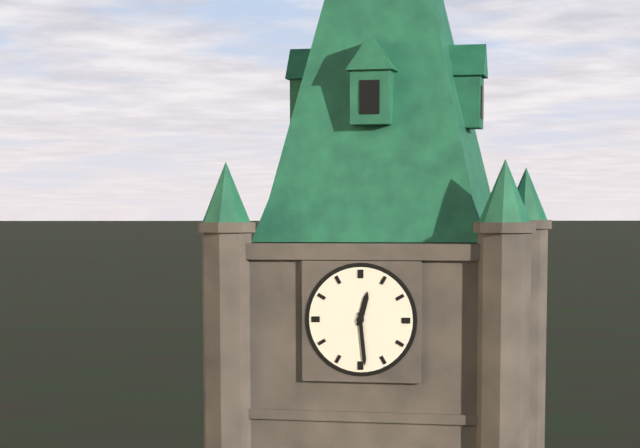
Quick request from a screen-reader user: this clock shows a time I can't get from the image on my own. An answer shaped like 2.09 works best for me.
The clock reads 12.29
